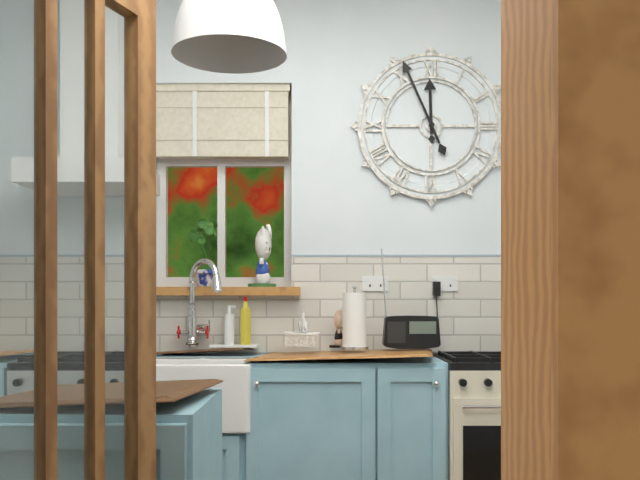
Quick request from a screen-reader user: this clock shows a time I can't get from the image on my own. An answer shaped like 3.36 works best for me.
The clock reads 11.56
